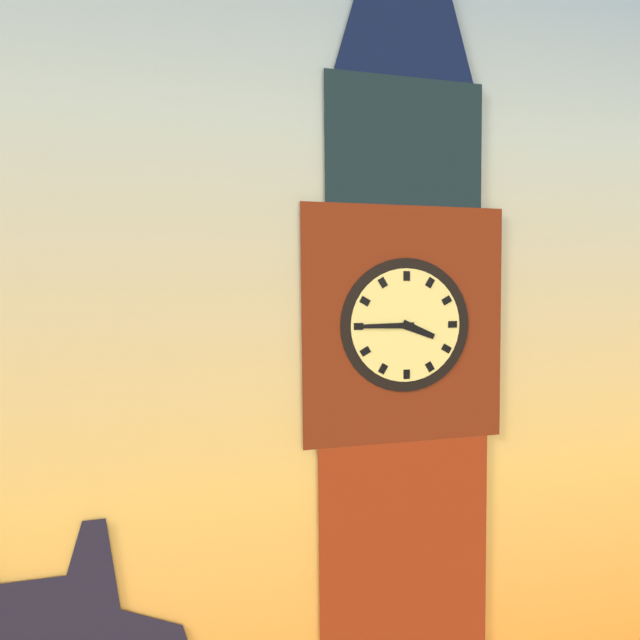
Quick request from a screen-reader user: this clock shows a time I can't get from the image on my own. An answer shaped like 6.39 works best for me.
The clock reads 3.45
